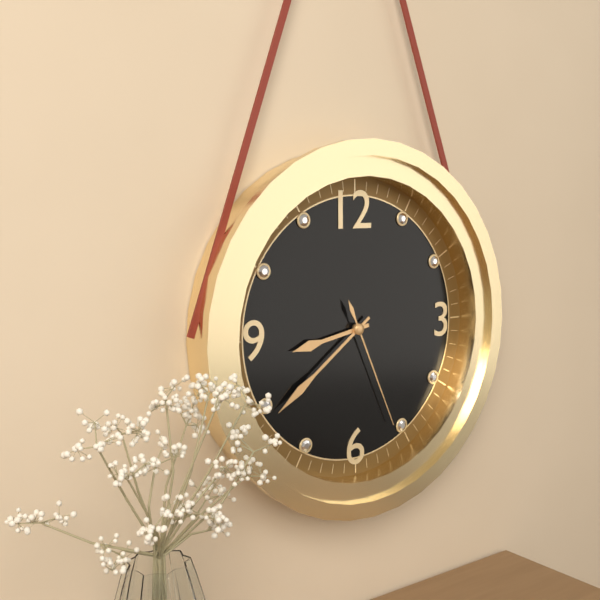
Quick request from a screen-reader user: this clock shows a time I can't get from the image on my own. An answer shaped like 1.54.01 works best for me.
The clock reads 8.39.26
